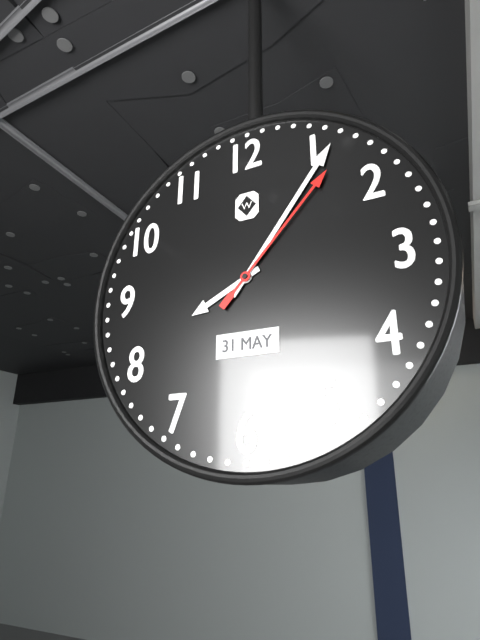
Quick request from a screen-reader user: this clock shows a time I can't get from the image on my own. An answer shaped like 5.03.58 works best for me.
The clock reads 8.06.07
